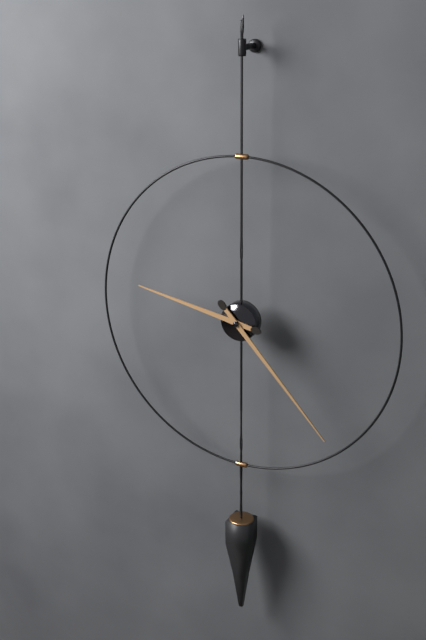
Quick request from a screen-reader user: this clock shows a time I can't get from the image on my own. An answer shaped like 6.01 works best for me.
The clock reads 9.23
